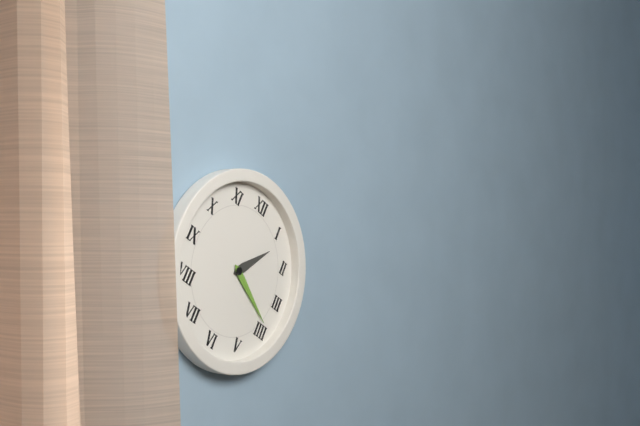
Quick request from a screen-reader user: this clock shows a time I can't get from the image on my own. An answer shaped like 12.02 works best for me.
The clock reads 1.19
